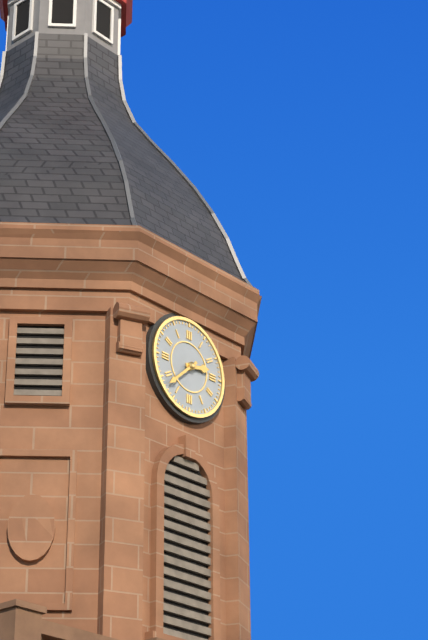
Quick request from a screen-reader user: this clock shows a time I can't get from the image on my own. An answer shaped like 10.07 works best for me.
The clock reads 2.38
